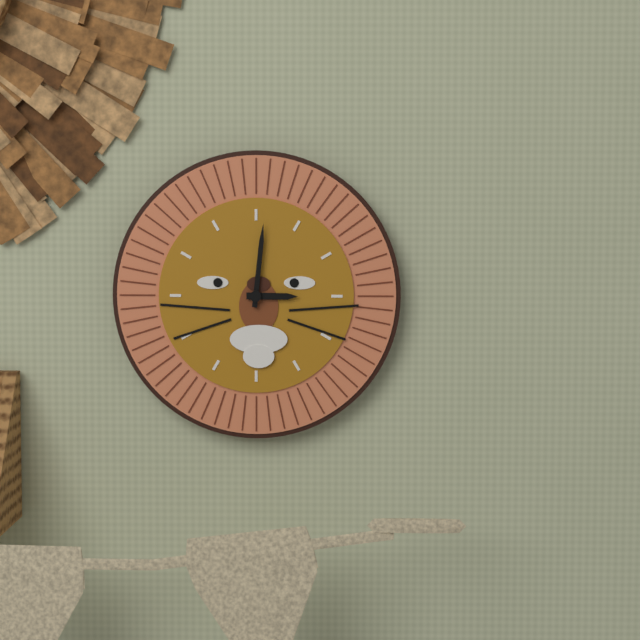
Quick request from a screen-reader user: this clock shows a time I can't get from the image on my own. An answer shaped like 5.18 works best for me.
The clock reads 3.01
